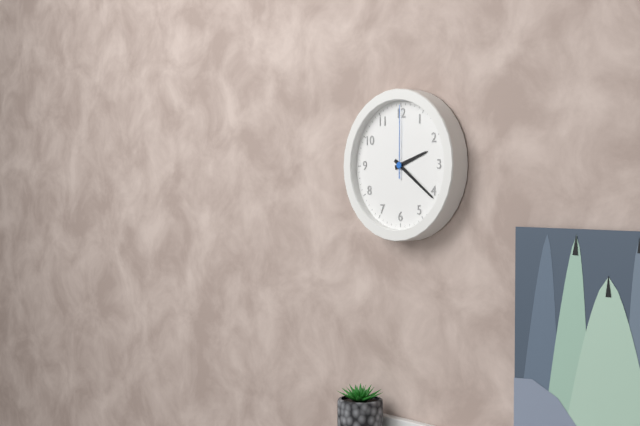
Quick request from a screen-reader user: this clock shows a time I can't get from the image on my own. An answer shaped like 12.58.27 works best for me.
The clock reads 2.21.00
